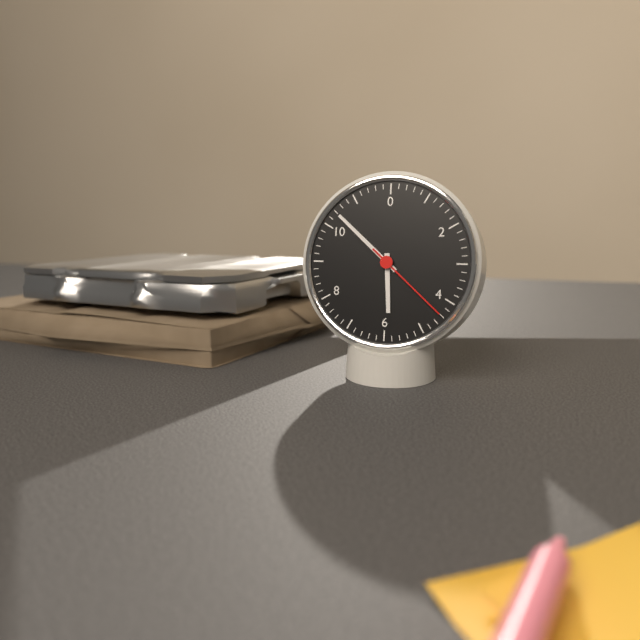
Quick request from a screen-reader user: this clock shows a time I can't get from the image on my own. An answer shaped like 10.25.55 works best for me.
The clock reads 5.52.22
